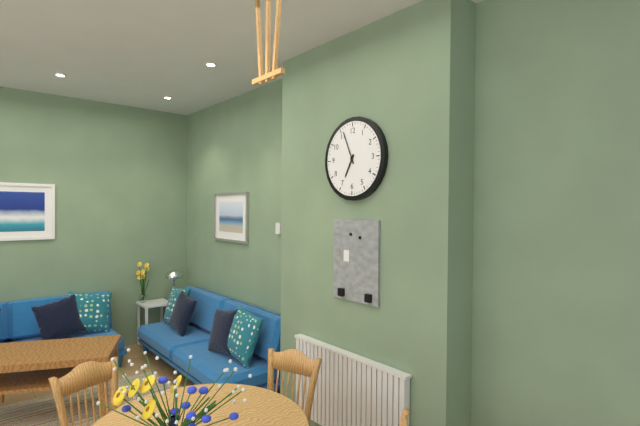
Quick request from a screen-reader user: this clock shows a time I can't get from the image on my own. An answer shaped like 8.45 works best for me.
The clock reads 6.56
